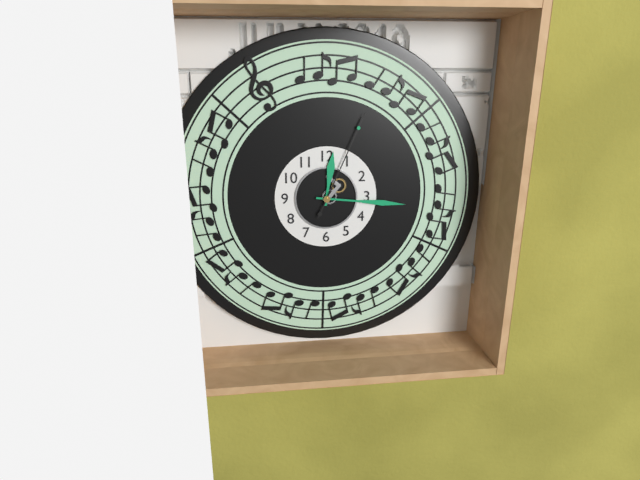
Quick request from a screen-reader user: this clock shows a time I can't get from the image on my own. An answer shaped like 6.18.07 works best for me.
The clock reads 12.16.04
